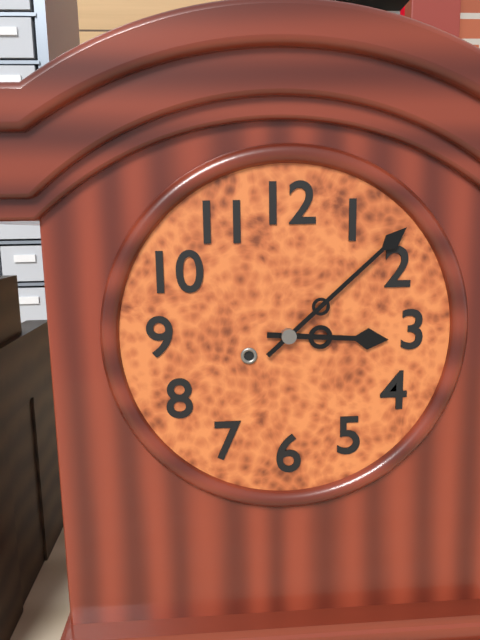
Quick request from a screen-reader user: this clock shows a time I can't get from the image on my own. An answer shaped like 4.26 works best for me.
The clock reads 3.08
